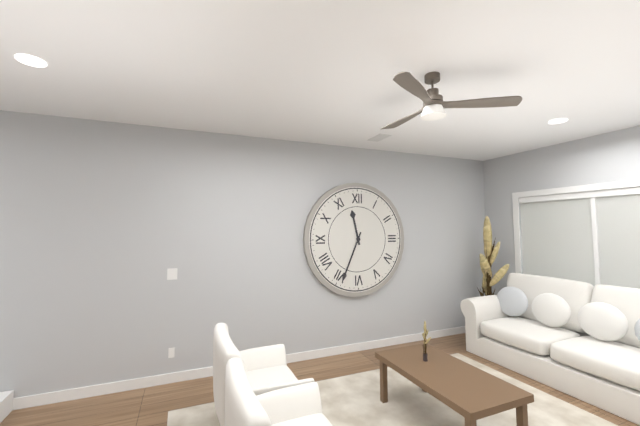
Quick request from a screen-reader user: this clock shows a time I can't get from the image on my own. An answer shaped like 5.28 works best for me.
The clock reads 11.34
